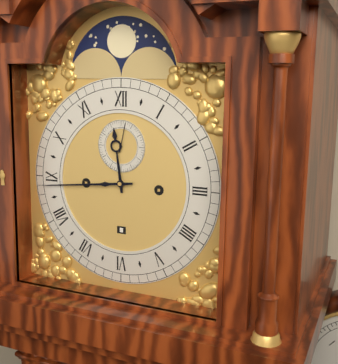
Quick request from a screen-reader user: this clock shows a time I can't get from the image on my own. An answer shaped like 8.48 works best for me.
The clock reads 11.44
